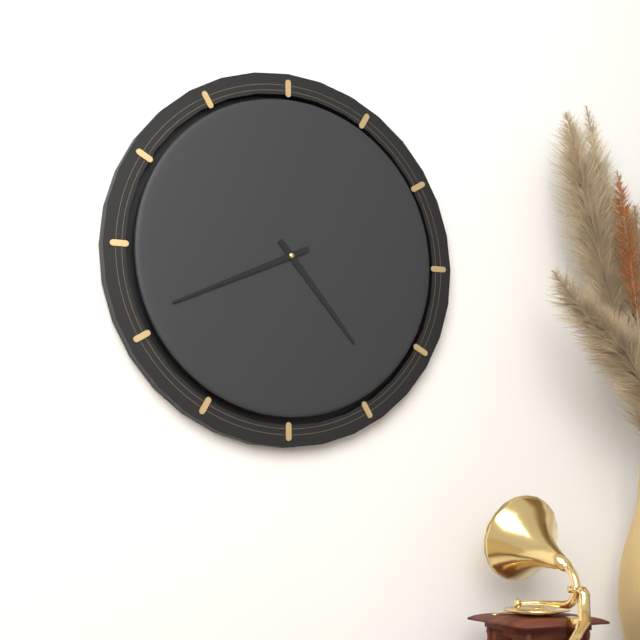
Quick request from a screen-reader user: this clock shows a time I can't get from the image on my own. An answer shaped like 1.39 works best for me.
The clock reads 4.41
